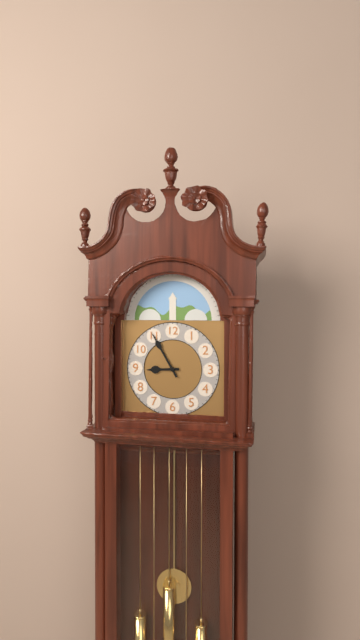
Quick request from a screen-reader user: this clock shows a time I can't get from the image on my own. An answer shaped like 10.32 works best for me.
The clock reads 8.55
